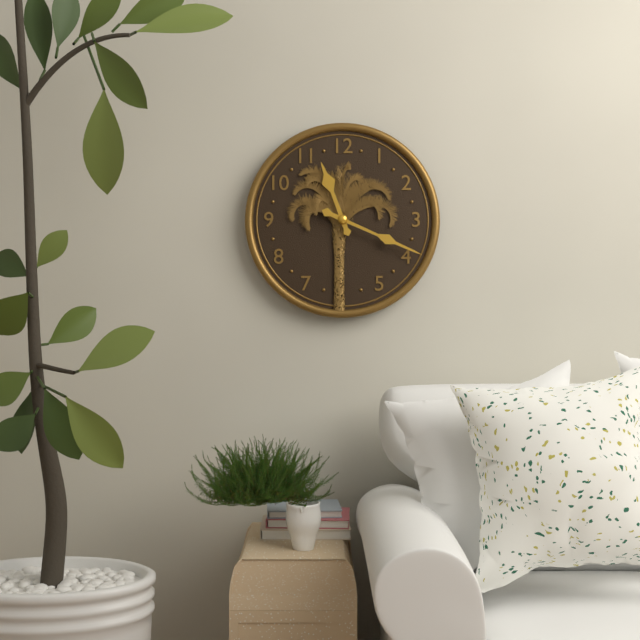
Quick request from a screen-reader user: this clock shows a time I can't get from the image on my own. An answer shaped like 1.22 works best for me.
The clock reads 11.19
